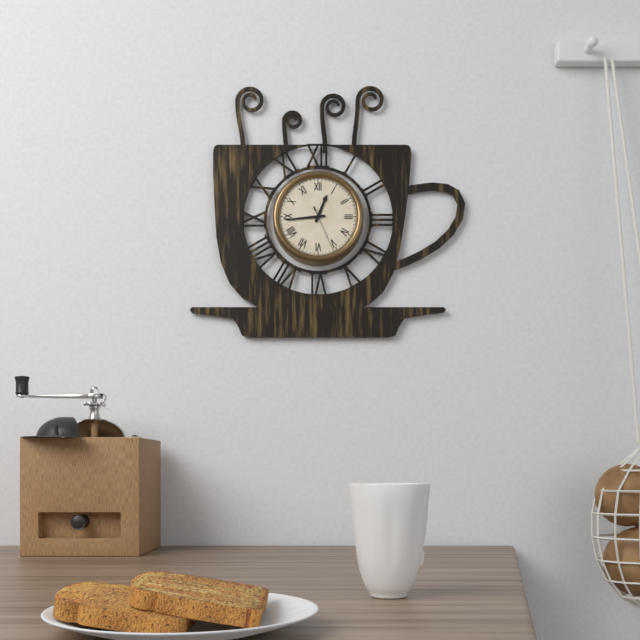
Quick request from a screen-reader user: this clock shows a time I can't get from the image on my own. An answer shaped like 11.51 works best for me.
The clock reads 12.44
